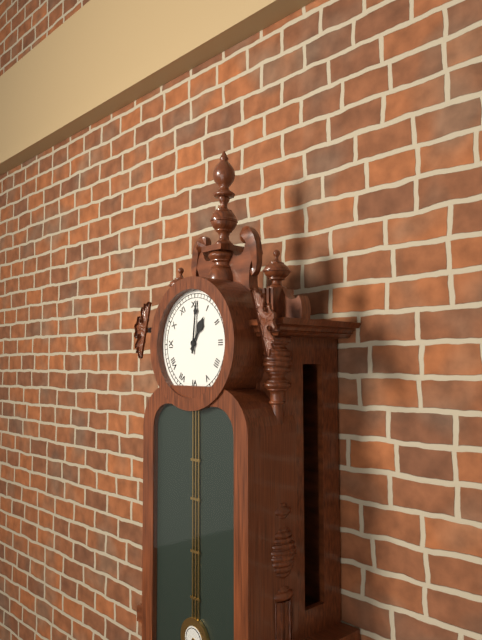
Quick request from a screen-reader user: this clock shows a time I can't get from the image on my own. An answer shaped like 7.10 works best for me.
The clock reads 1.01
